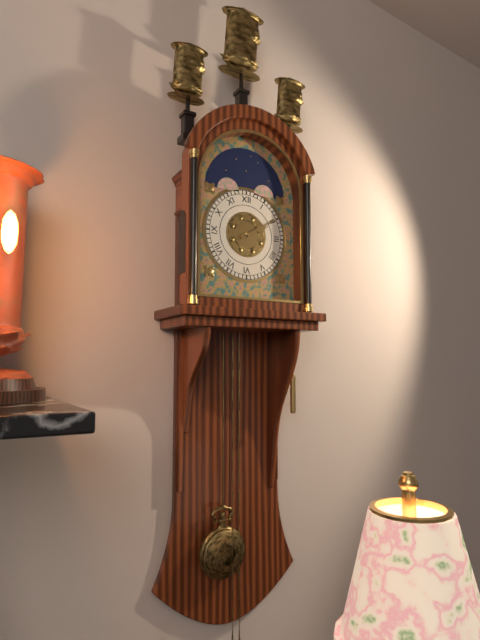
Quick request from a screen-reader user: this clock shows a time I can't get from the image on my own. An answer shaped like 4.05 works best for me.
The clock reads 2.10
